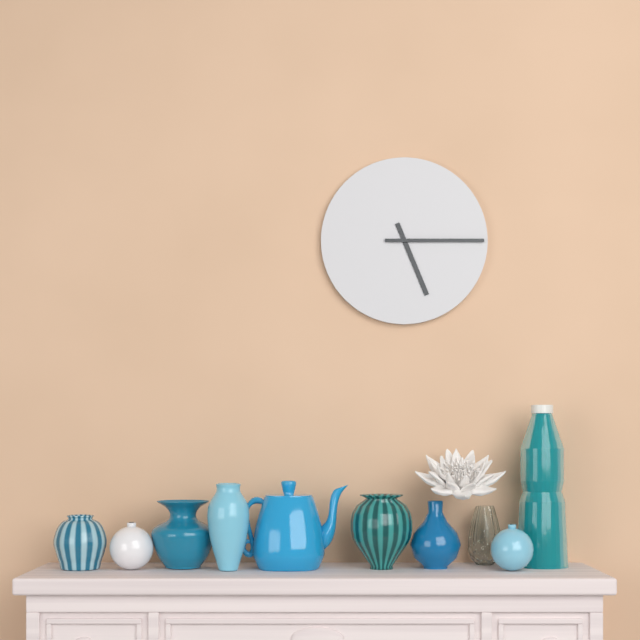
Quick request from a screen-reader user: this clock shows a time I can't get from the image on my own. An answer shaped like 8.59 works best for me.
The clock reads 5.15
